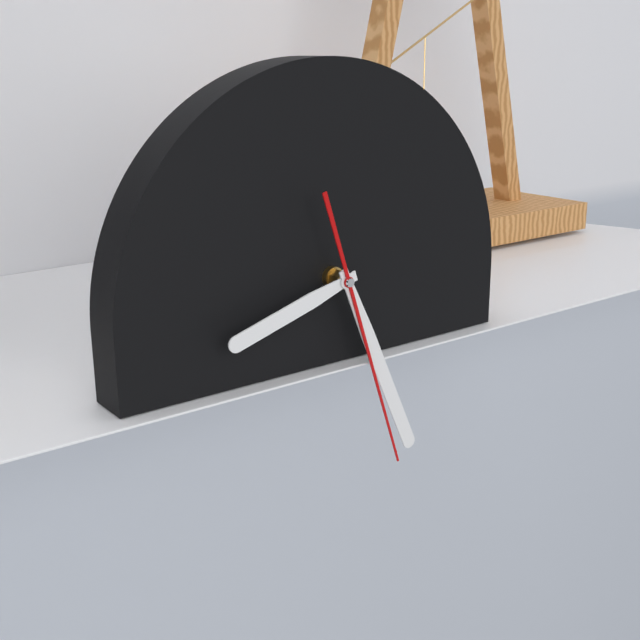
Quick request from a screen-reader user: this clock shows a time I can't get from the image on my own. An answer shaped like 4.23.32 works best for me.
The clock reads 8.26.27
